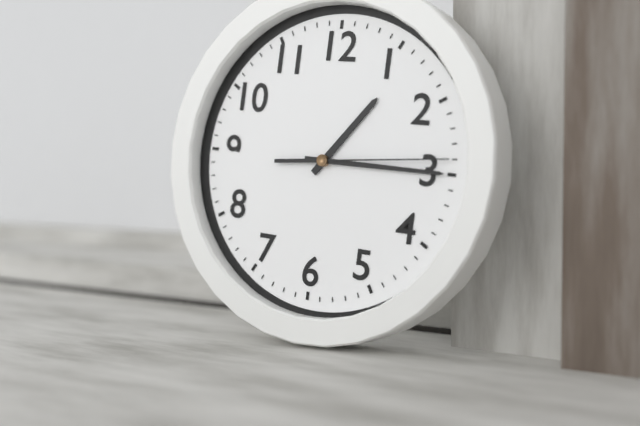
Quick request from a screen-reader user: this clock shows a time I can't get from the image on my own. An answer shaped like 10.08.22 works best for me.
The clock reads 1.15.14
